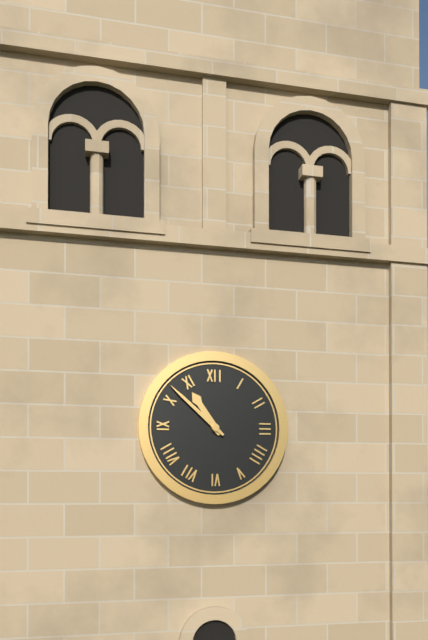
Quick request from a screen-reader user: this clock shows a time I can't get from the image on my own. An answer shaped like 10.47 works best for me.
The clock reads 10.52
